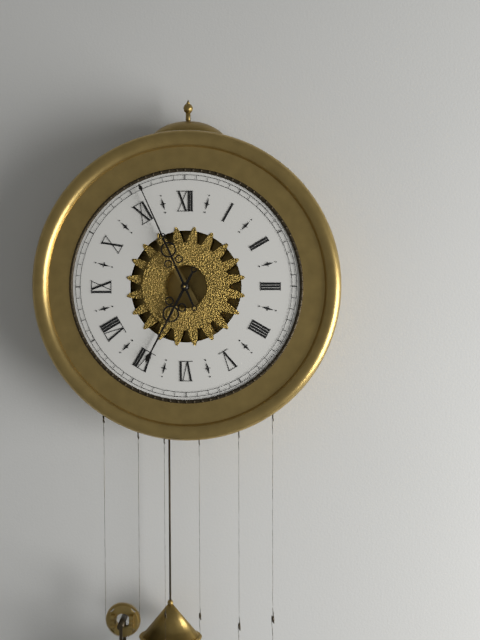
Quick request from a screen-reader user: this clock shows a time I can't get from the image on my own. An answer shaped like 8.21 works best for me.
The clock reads 6.56
